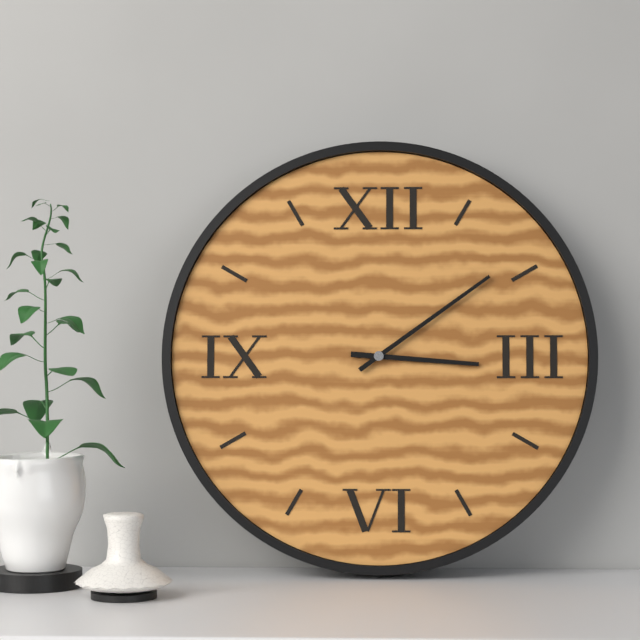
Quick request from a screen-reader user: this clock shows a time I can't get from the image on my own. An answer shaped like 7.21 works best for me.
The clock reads 3.09
